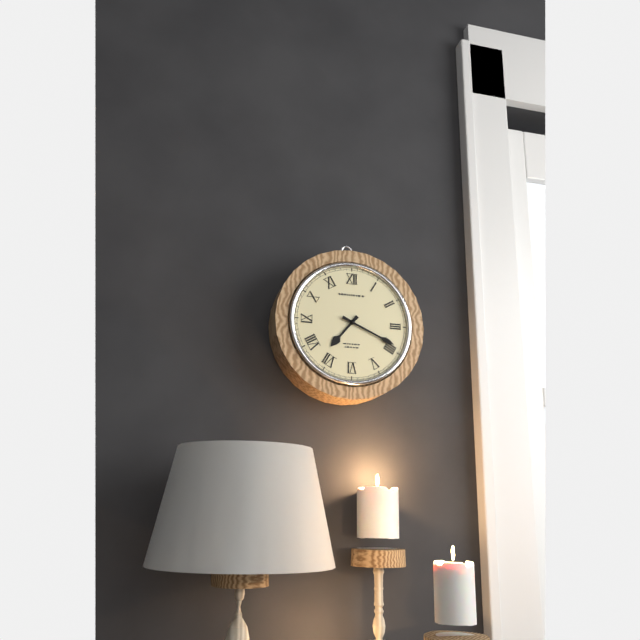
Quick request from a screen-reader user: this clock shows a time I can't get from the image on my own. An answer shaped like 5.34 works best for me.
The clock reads 7.19
